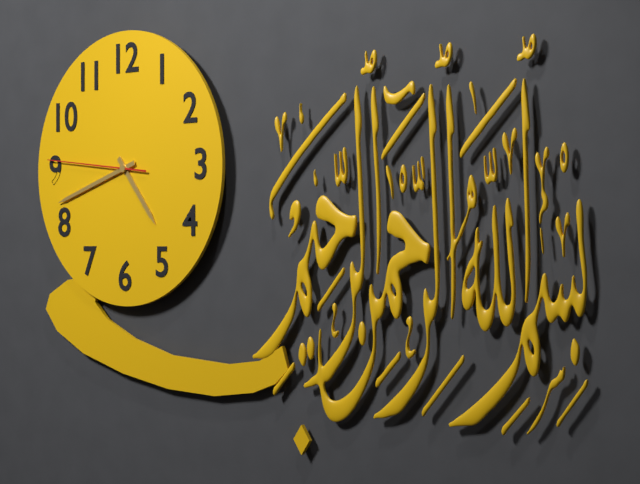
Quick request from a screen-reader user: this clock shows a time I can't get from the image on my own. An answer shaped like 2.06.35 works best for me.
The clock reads 4.42.46
